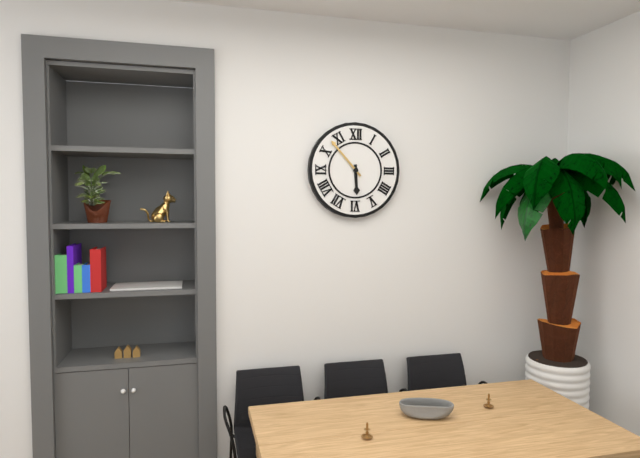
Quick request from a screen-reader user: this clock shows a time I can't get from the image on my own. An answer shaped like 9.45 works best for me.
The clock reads 5.53
